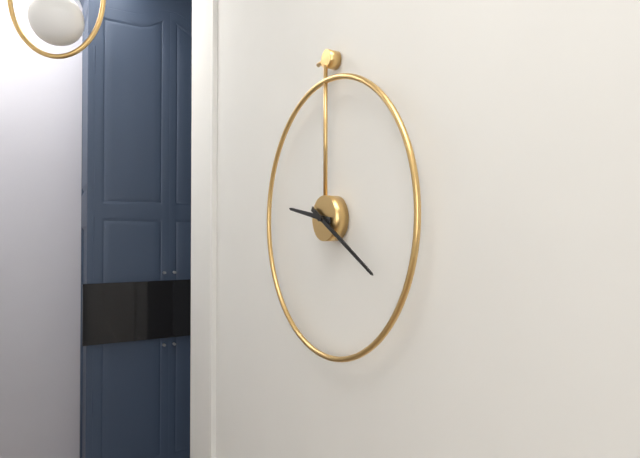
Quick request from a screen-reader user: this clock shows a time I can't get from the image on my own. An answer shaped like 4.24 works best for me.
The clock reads 9.20
